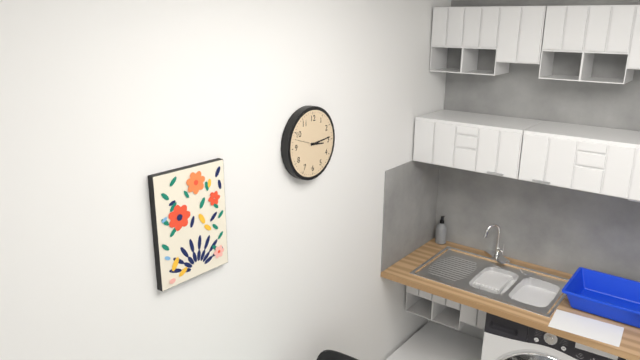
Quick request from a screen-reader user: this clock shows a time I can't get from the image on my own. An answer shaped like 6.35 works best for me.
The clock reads 3.14
